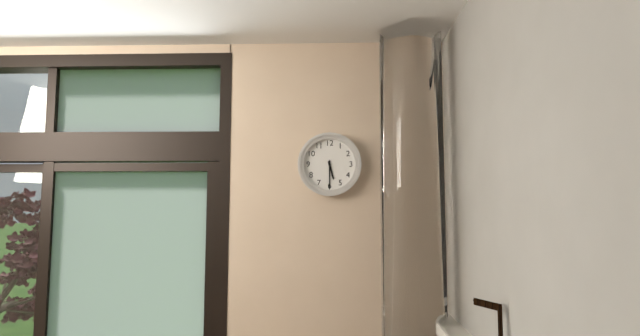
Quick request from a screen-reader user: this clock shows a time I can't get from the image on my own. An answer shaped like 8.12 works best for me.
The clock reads 5.30
